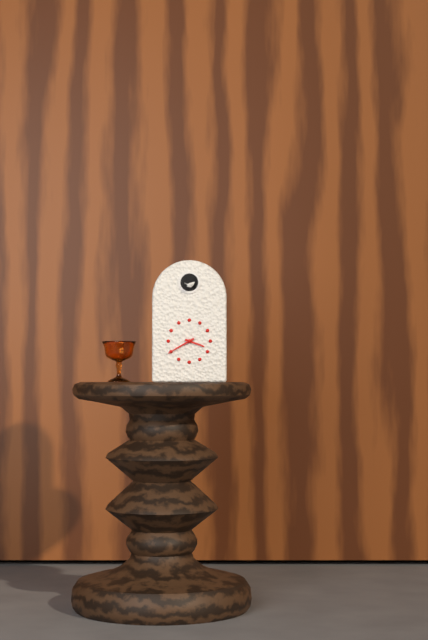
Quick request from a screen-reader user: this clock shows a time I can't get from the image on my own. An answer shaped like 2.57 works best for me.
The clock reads 3.40
